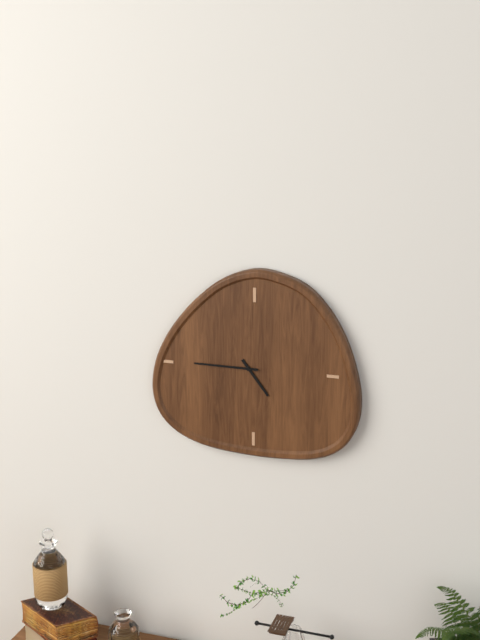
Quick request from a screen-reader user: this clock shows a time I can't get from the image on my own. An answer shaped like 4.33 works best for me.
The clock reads 4.45
